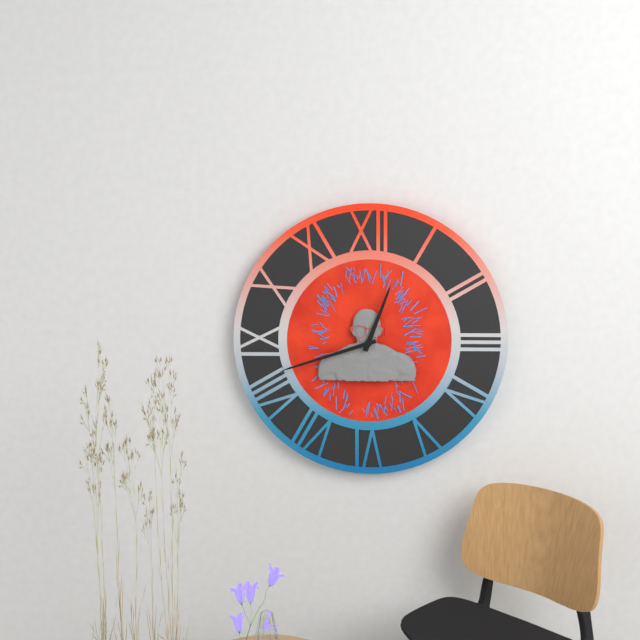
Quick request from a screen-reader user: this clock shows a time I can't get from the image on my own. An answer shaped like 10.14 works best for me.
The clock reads 12.42
